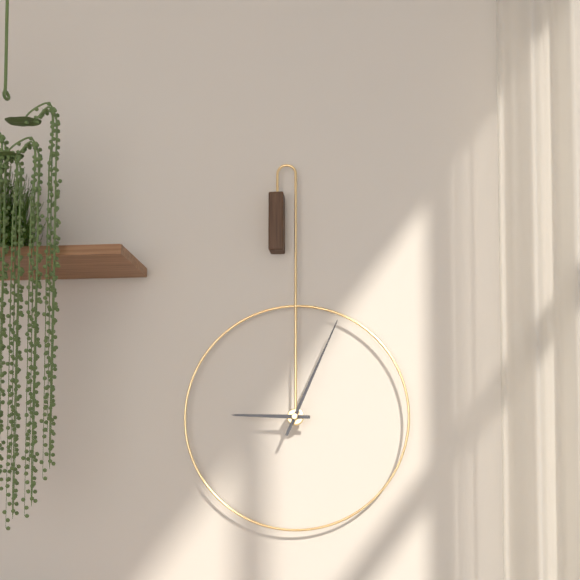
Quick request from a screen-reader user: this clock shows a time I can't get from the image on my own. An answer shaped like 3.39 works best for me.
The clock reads 9.04
